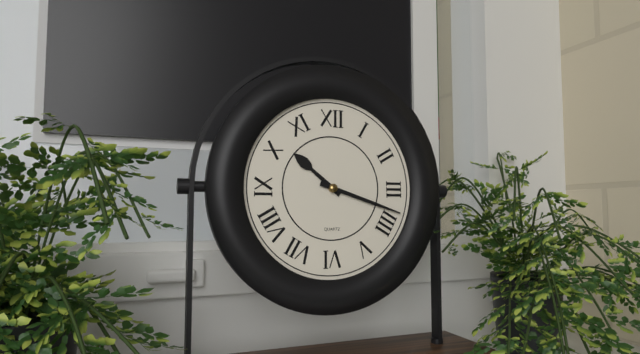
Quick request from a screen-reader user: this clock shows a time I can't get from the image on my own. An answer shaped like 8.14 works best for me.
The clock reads 10.18
